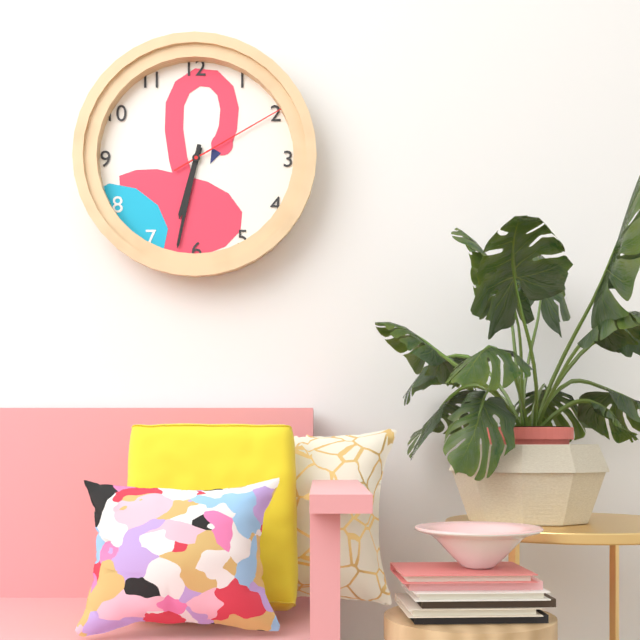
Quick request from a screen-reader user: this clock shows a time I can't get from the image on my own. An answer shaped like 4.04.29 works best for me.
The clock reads 6.32.10
